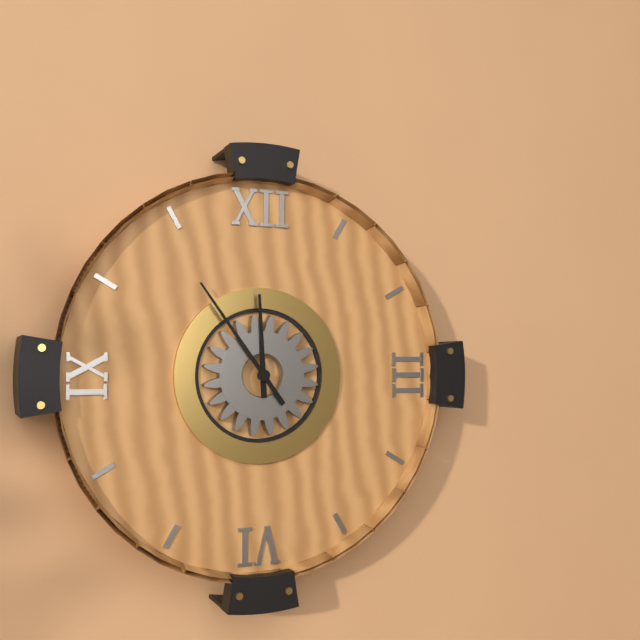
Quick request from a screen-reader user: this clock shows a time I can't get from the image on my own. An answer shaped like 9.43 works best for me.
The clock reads 11.54
